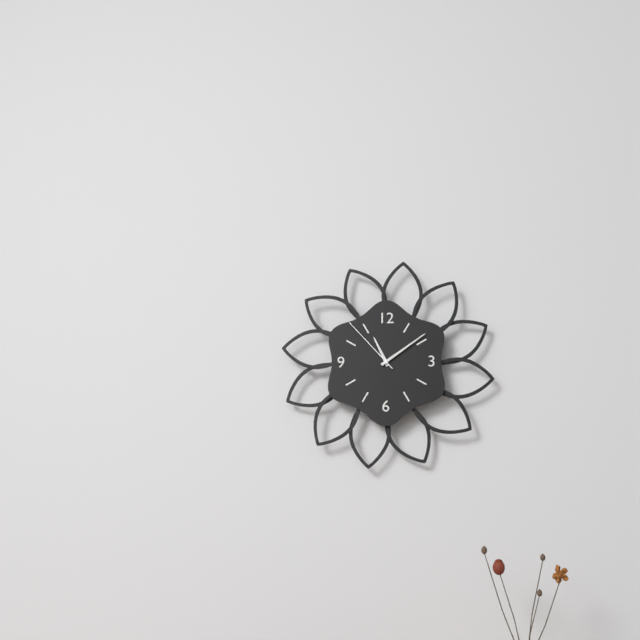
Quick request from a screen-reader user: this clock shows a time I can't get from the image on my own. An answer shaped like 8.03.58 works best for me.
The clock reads 11.09.53
